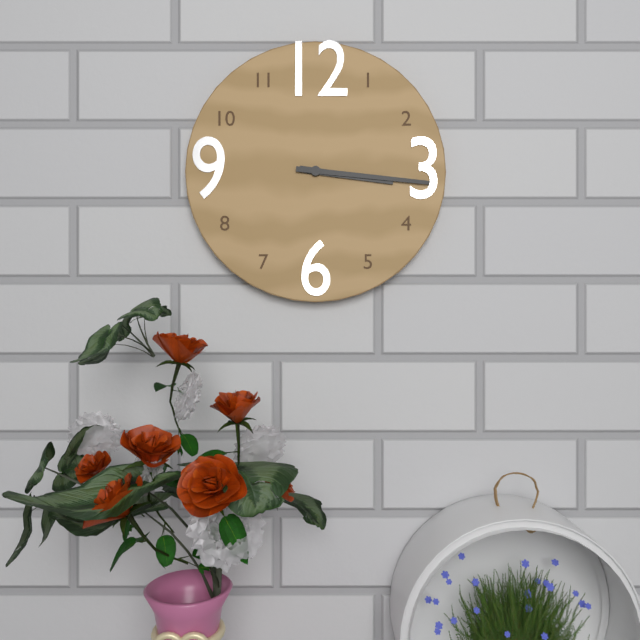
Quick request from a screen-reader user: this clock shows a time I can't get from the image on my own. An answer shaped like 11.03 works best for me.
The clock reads 3.16
